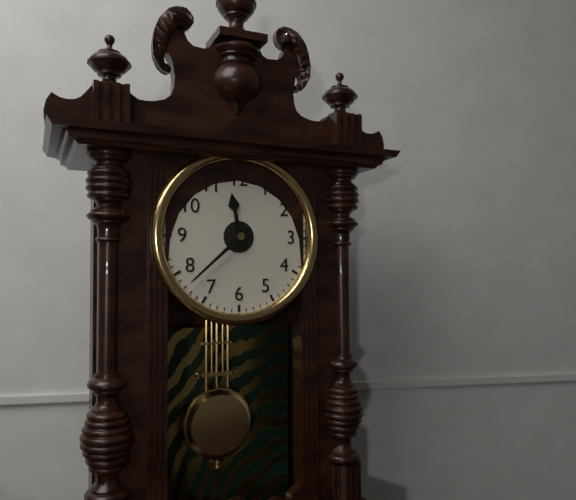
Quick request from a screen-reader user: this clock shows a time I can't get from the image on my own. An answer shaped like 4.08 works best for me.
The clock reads 11.38
